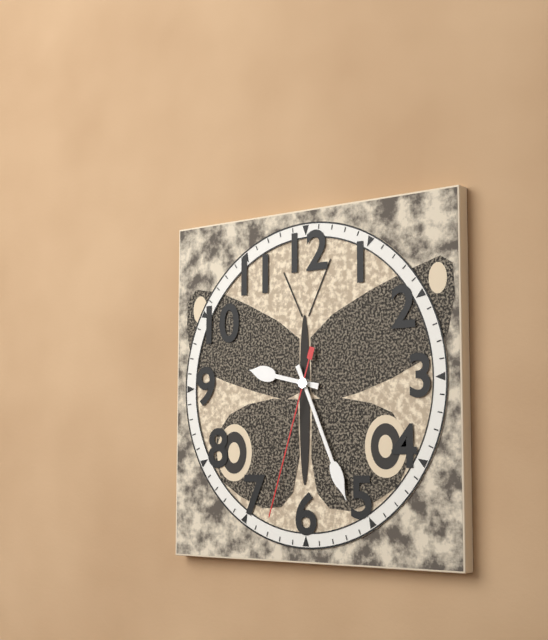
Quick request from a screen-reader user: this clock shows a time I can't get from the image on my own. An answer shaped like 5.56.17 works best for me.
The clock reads 9.26.33
